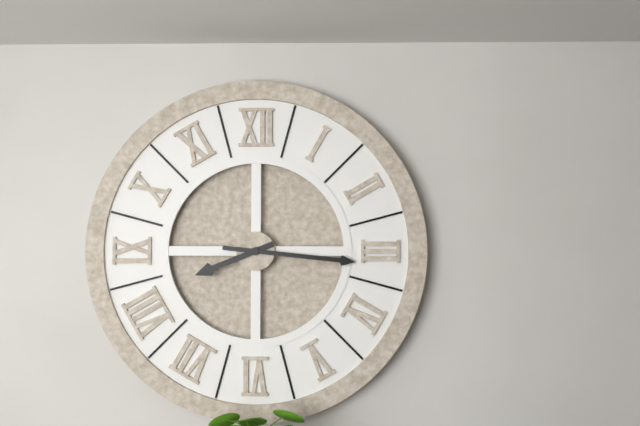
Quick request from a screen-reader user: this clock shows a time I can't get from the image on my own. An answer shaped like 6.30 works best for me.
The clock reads 8.16
